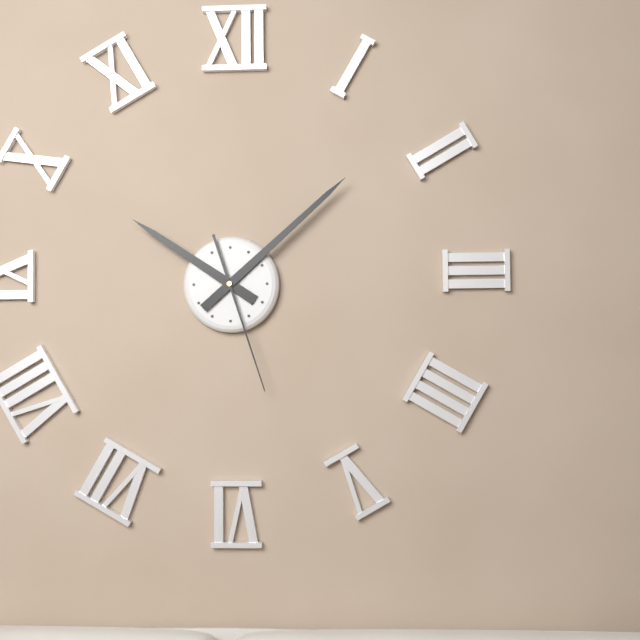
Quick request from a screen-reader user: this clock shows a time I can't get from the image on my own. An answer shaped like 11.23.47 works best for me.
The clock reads 10.08.27
